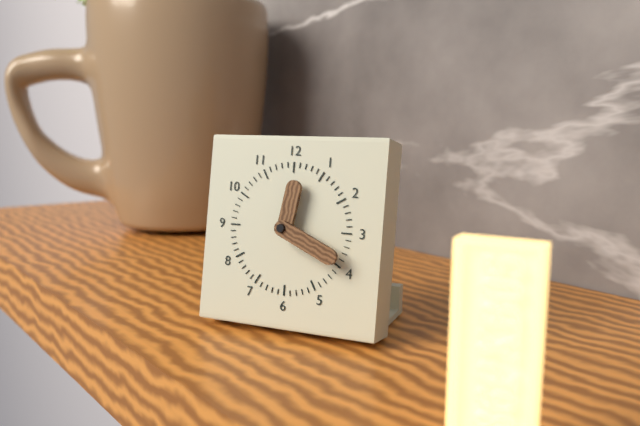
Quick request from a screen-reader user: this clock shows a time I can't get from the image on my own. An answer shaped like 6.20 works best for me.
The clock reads 12.19
